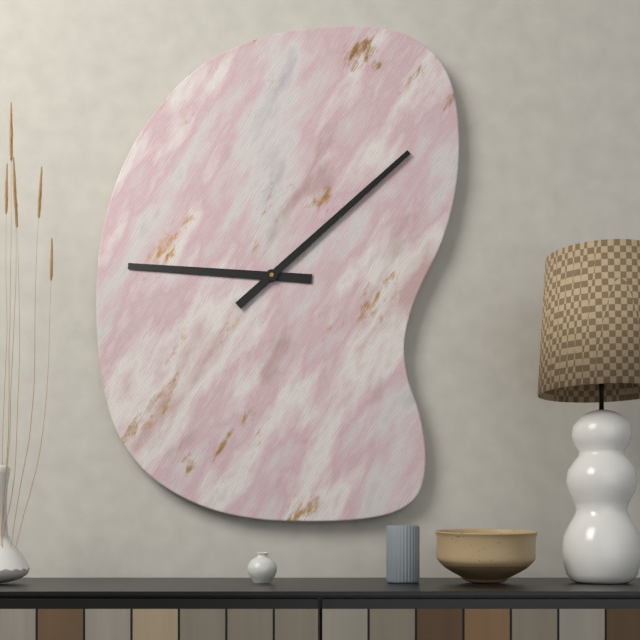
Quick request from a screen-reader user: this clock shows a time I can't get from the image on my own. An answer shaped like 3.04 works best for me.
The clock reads 9.08
